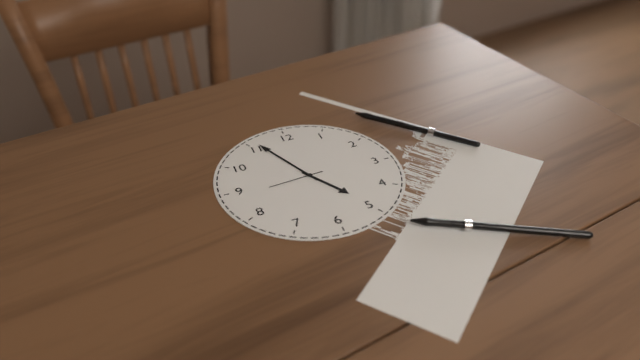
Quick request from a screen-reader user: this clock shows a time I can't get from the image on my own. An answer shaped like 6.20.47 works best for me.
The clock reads 4.56.44
